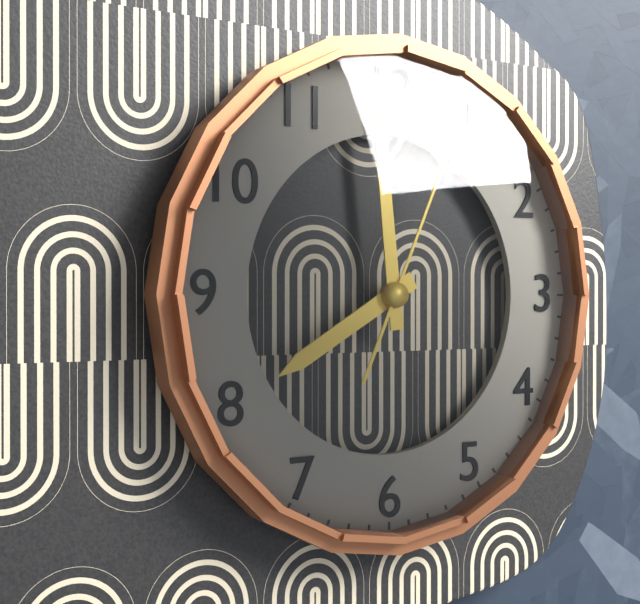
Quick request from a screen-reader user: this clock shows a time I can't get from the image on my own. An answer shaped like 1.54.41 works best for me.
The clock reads 7.59.04
